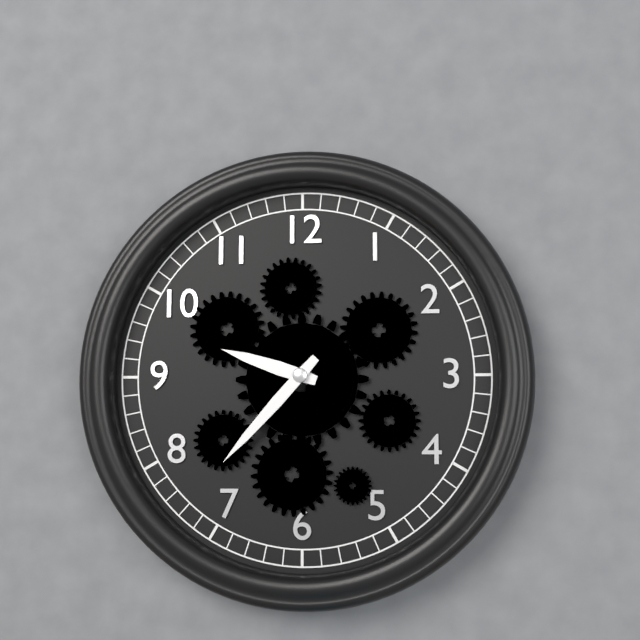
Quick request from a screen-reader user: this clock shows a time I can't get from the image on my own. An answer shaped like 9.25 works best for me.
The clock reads 9.37
